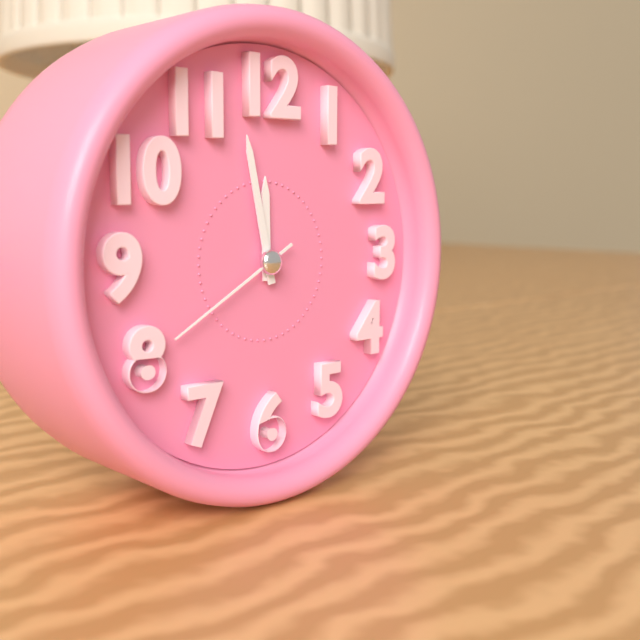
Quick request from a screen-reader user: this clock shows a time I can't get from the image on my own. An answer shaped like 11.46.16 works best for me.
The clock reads 11.58.40
